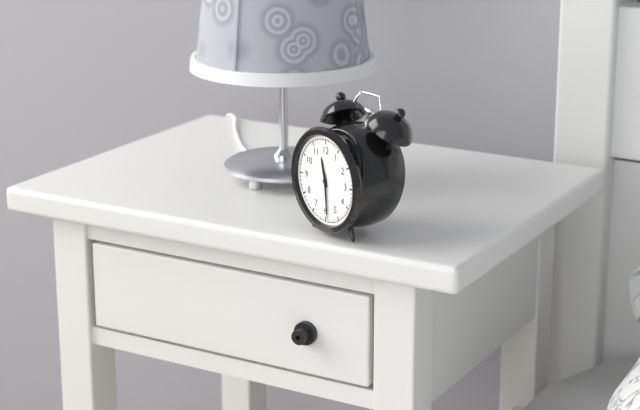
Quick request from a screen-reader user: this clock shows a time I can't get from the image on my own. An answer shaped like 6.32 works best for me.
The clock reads 11.29
